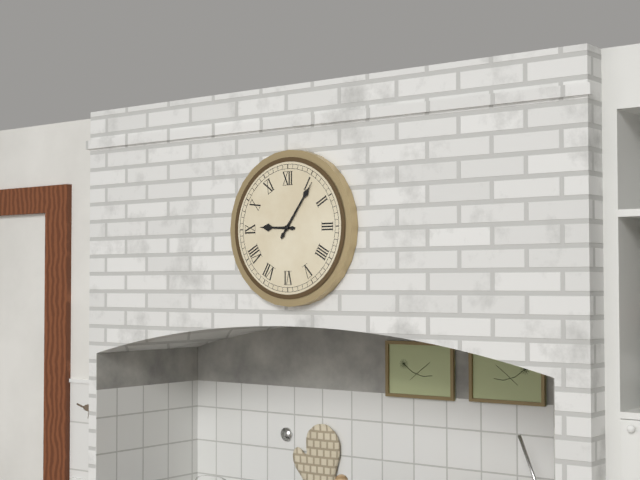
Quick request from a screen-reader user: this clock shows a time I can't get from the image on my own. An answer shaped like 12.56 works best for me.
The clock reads 9.06
